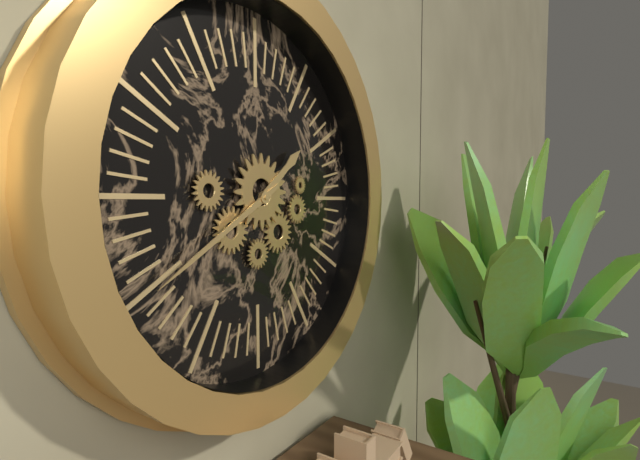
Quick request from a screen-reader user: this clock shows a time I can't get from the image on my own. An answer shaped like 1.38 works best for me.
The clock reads 1.40
